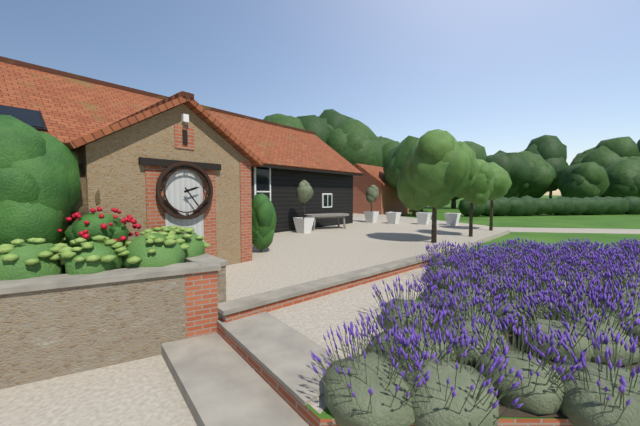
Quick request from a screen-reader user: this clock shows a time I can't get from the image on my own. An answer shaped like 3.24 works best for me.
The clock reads 2.24
